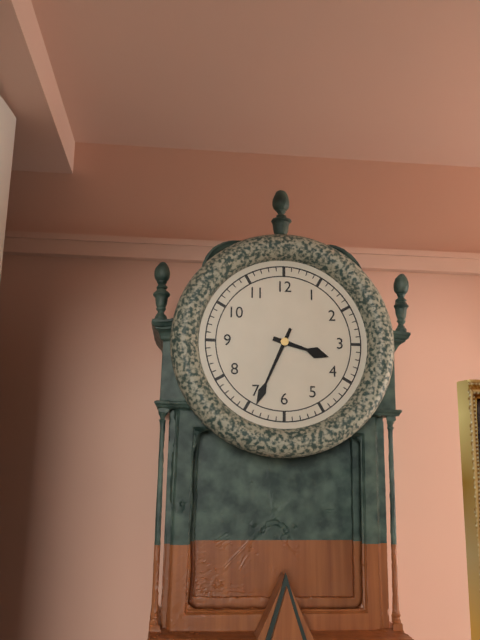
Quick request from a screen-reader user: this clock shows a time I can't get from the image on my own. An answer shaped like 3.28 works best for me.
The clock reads 3.34
